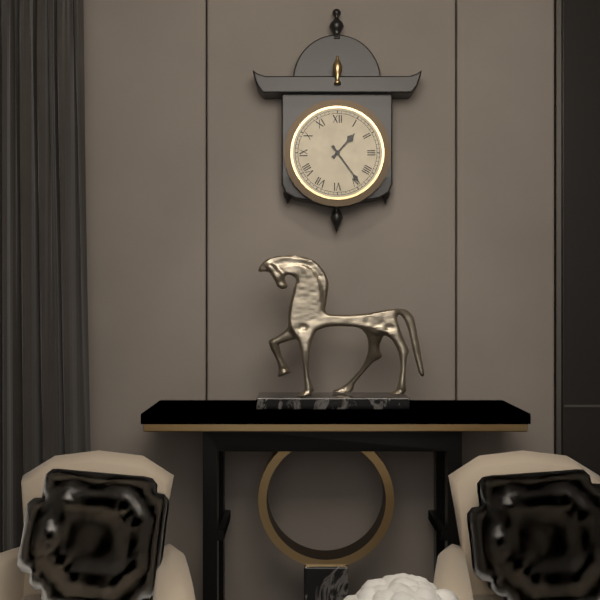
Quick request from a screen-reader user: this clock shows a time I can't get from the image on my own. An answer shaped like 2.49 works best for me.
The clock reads 1.24
